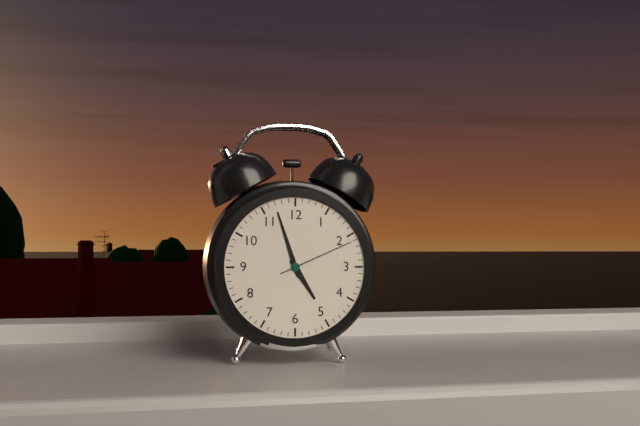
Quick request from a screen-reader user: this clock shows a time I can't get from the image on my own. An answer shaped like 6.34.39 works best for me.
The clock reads 4.57.11
